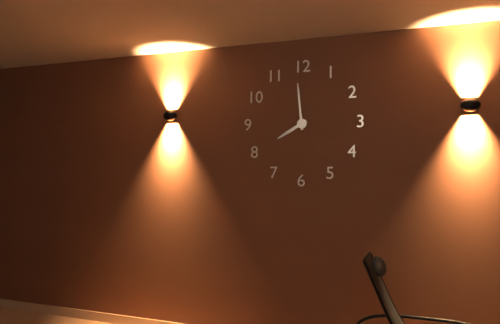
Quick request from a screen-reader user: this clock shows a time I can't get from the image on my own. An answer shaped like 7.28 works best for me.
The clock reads 7.59
